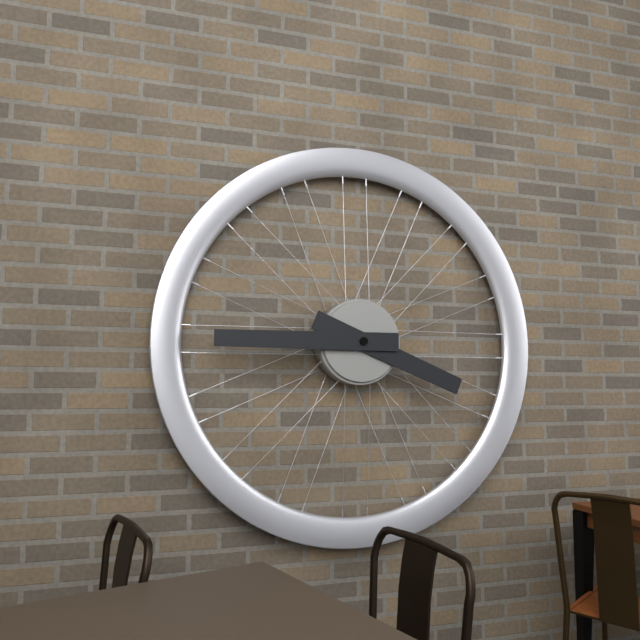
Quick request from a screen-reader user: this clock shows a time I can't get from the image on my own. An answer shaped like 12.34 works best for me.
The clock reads 3.45
